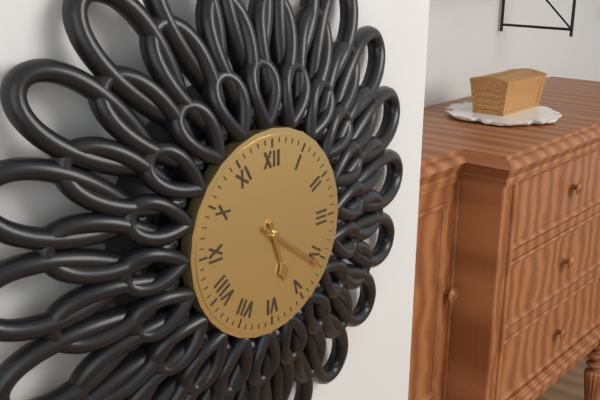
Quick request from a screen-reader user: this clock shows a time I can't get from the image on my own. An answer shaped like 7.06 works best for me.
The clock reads 5.21
